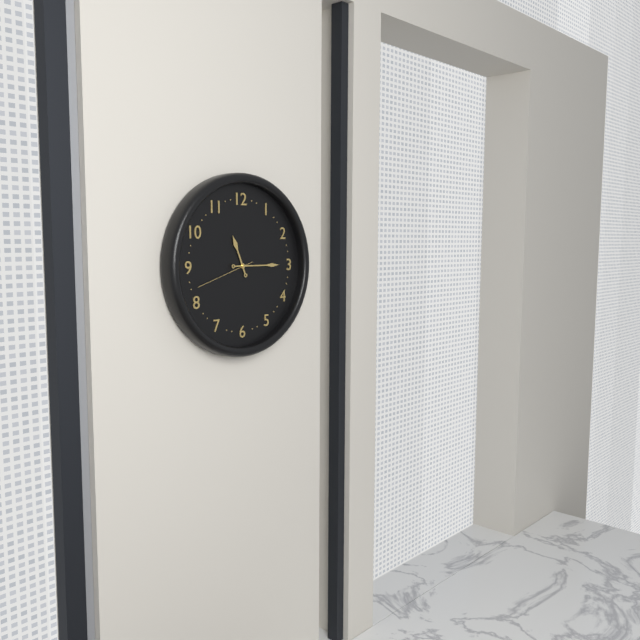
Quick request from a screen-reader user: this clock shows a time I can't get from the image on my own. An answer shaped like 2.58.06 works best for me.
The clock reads 11.15.42
